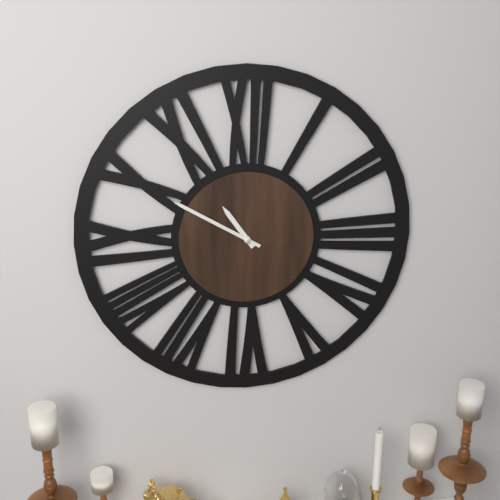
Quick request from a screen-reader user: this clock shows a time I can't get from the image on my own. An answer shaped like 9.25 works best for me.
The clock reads 10.50
